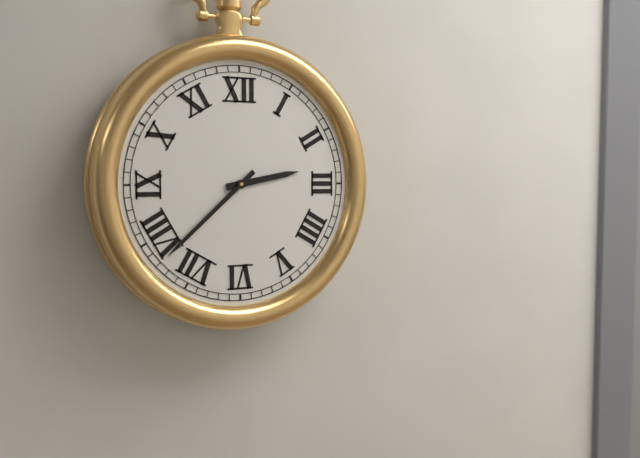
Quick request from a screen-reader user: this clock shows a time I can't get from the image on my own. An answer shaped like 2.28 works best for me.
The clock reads 2.38
